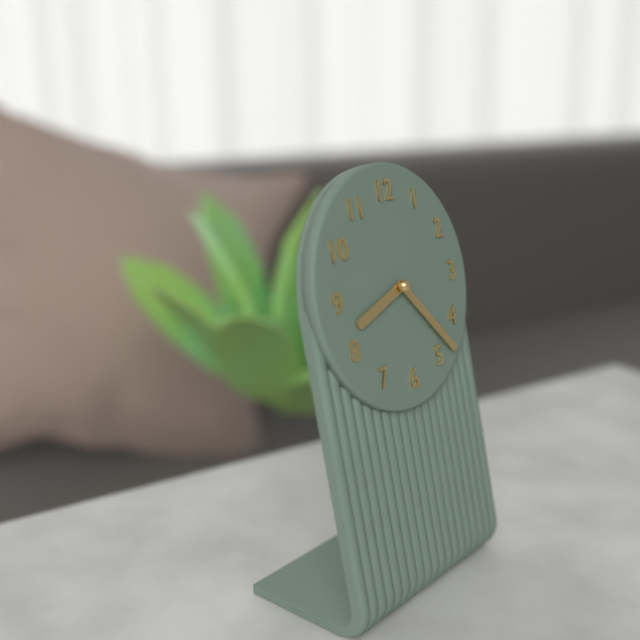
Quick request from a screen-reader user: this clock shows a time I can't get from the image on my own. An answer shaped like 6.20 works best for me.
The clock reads 8.23
